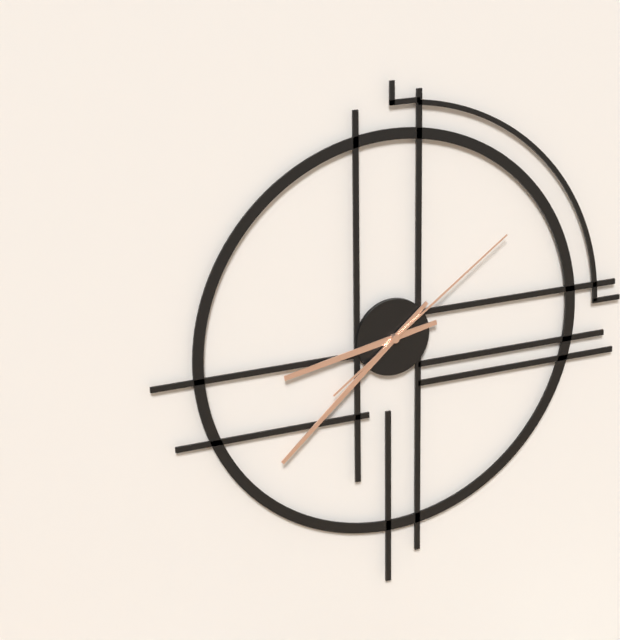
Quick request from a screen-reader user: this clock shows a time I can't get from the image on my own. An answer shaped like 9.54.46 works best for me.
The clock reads 8.38.09
